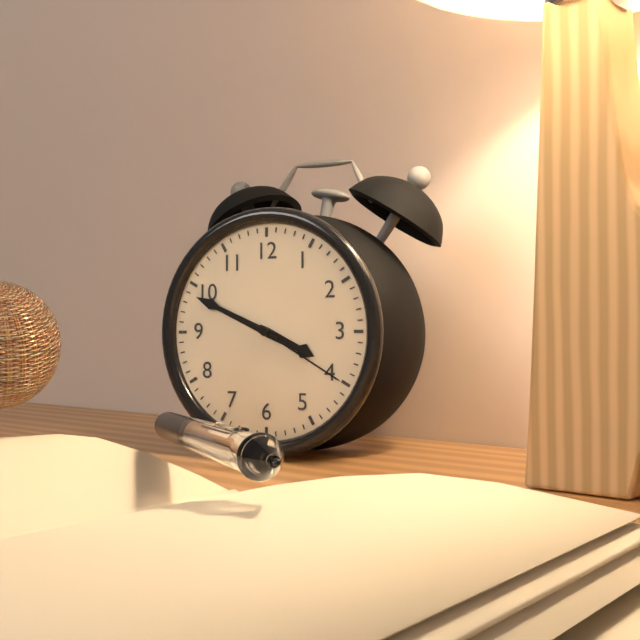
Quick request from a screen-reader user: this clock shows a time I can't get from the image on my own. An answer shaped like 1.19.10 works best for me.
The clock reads 3.49.20
